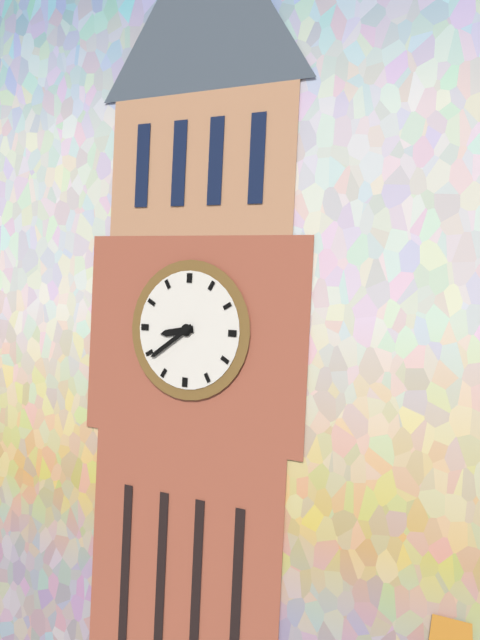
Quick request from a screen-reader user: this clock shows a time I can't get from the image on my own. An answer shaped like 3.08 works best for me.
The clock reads 8.39
